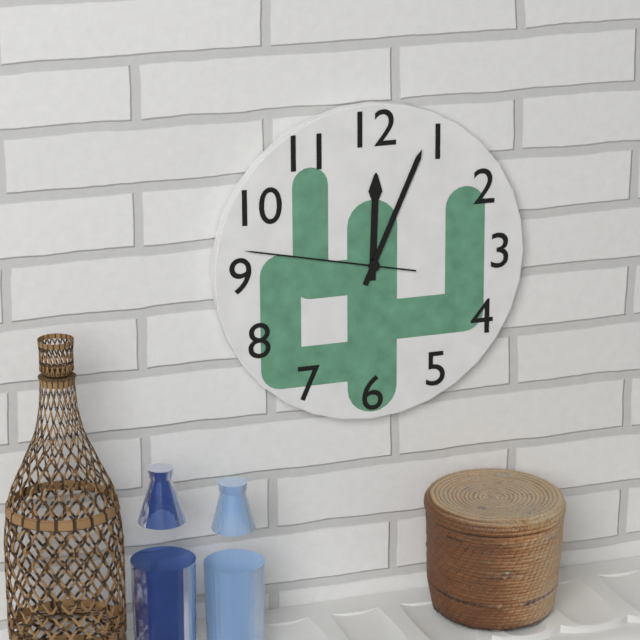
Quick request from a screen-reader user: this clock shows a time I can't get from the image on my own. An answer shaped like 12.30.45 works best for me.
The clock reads 12.04.47
